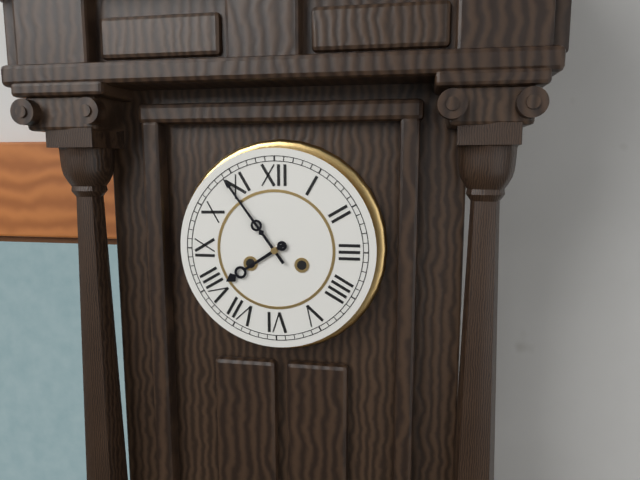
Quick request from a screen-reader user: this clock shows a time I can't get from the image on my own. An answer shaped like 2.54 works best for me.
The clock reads 7.54
